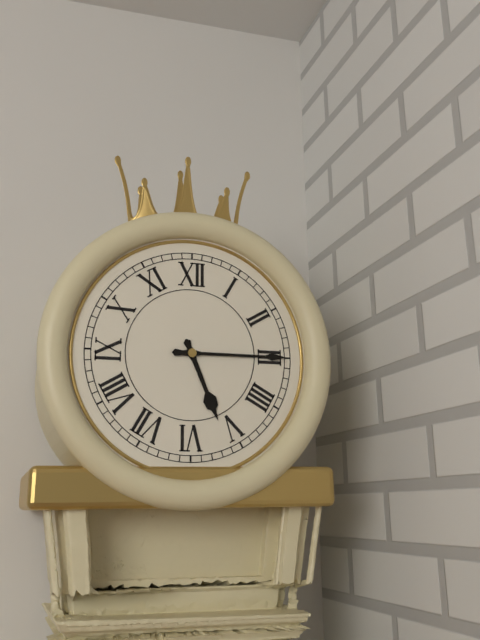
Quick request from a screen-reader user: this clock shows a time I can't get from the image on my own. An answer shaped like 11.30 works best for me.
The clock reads 5.15
